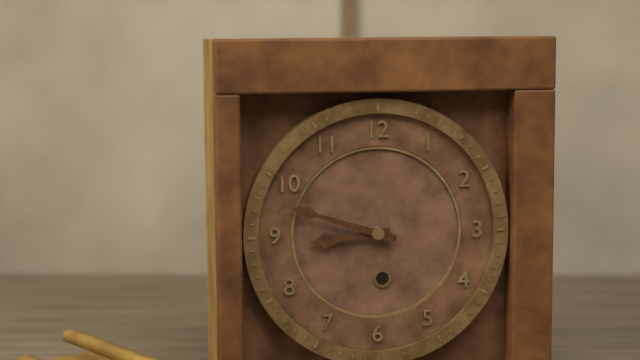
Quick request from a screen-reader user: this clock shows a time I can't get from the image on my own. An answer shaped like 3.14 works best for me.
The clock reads 8.48
